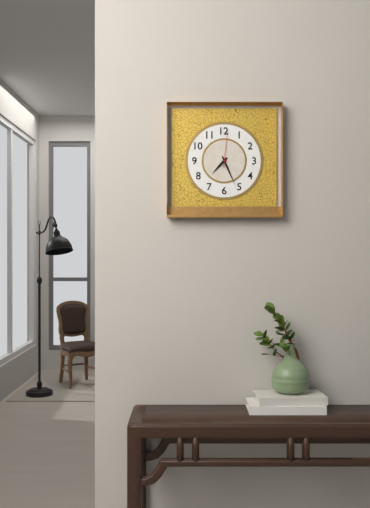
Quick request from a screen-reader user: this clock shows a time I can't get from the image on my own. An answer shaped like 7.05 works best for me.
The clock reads 7.26
